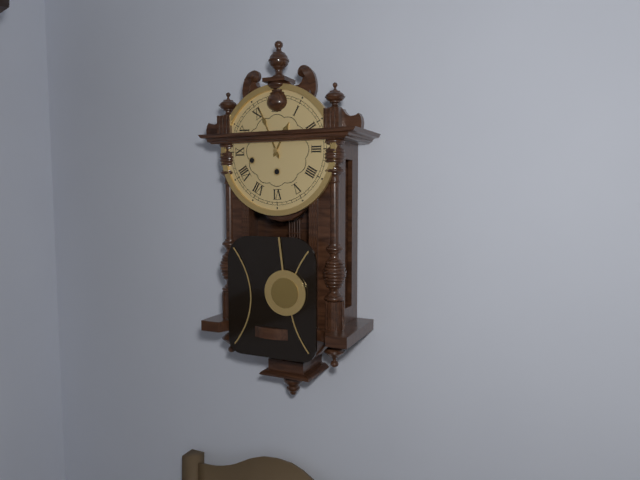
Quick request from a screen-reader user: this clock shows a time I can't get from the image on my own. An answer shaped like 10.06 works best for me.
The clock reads 12.56
